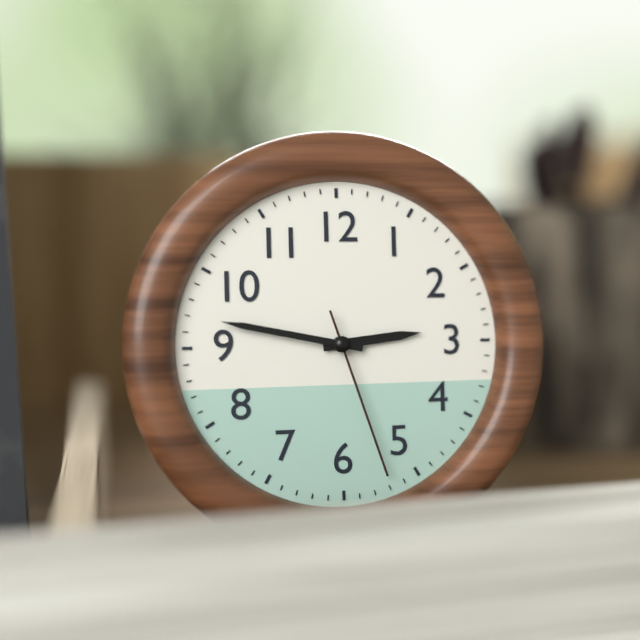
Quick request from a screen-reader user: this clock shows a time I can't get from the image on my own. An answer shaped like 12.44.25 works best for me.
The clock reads 2.47.27
